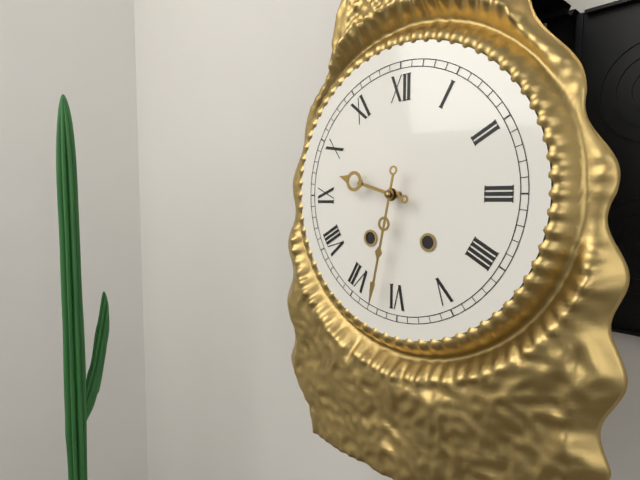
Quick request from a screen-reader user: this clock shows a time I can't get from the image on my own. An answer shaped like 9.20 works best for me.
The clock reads 9.32
